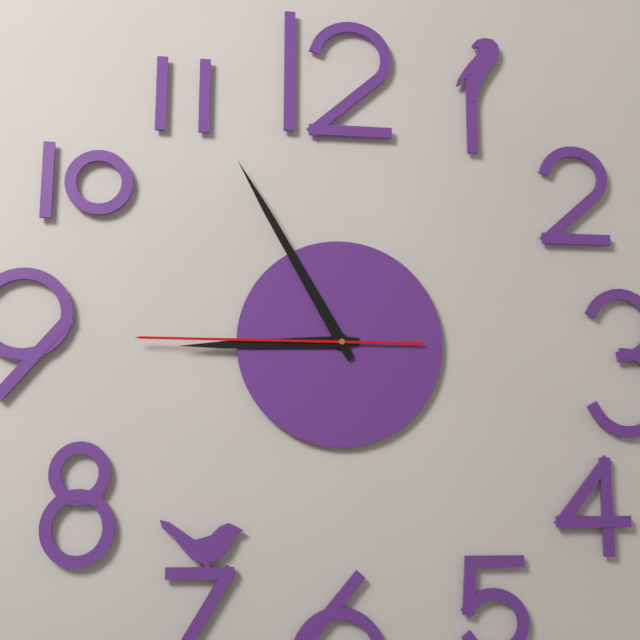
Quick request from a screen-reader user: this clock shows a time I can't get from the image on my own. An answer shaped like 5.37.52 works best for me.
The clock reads 8.55.45
